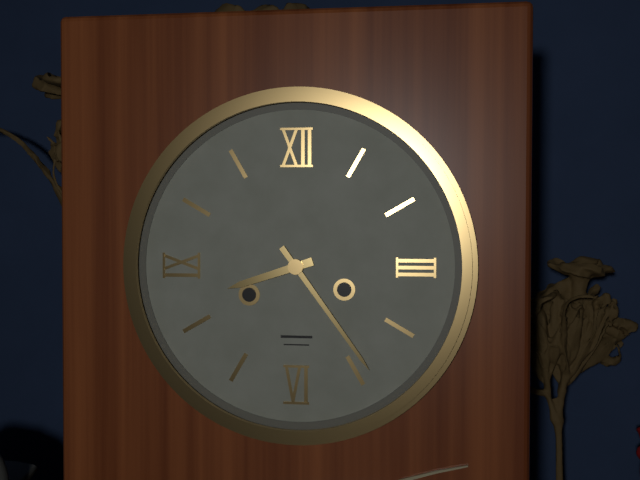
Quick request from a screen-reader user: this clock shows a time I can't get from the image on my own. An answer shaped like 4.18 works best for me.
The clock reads 8.24
